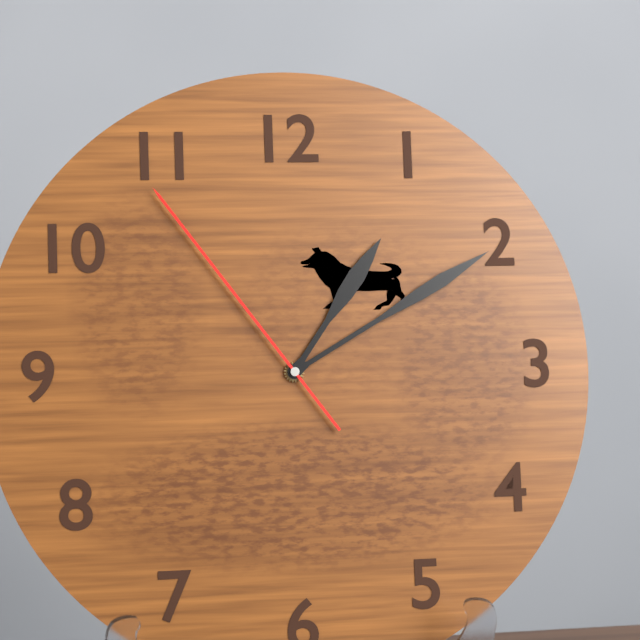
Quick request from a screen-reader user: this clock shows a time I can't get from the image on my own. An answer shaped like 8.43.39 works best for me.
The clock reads 1.10.54
